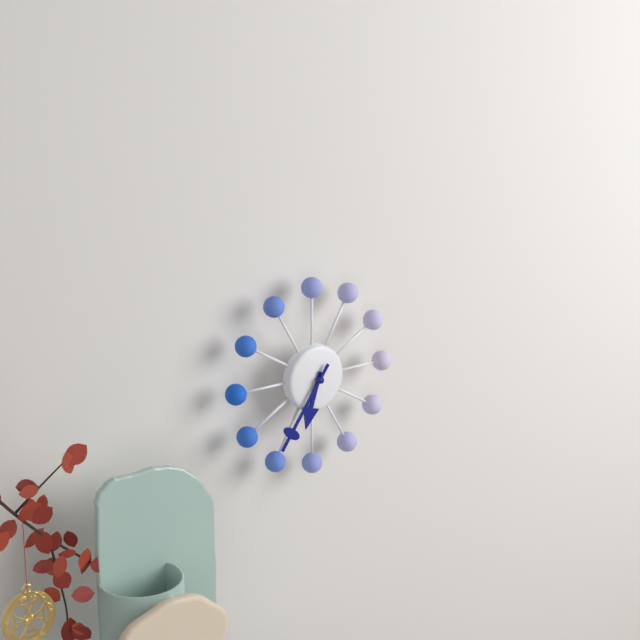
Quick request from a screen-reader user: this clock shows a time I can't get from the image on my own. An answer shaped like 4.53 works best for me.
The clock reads 6.36
